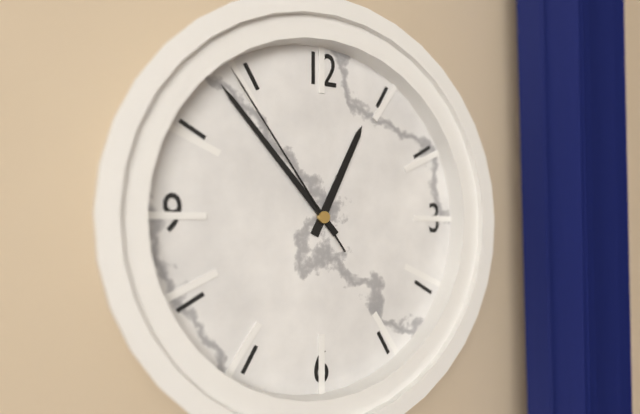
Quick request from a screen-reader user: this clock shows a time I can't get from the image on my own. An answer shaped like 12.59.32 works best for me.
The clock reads 12.53.54
